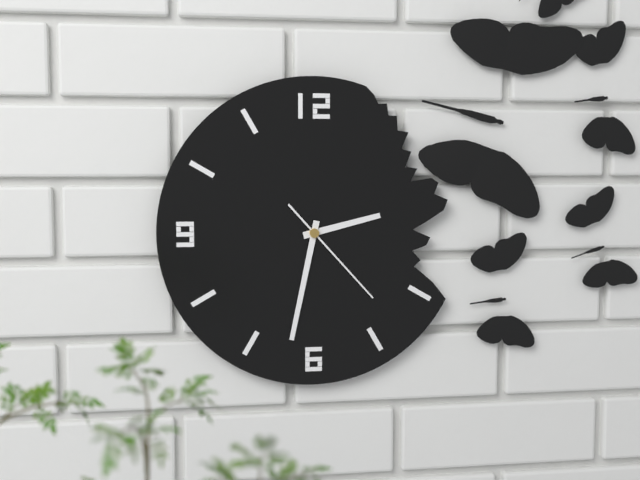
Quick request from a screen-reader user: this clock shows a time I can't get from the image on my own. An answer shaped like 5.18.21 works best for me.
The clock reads 2.32.23
